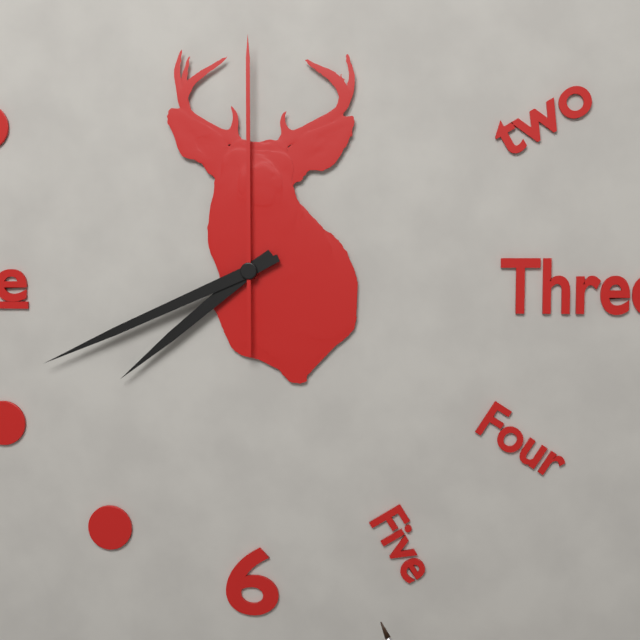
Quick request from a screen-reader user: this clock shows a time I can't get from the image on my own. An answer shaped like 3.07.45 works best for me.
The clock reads 7.41.00
